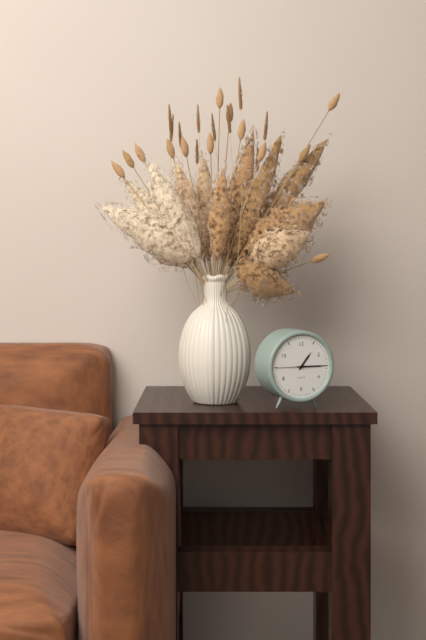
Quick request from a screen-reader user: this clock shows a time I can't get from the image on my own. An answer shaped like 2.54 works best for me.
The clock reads 1.15
